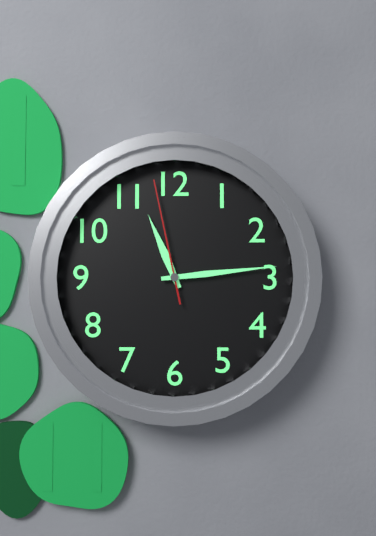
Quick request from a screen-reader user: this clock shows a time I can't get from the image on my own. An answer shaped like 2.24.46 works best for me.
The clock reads 11.14.58
